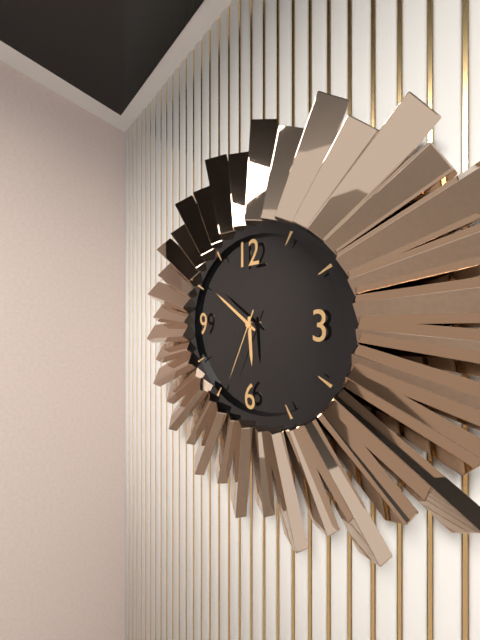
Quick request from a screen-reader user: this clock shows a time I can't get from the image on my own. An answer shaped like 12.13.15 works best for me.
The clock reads 5.51.34
